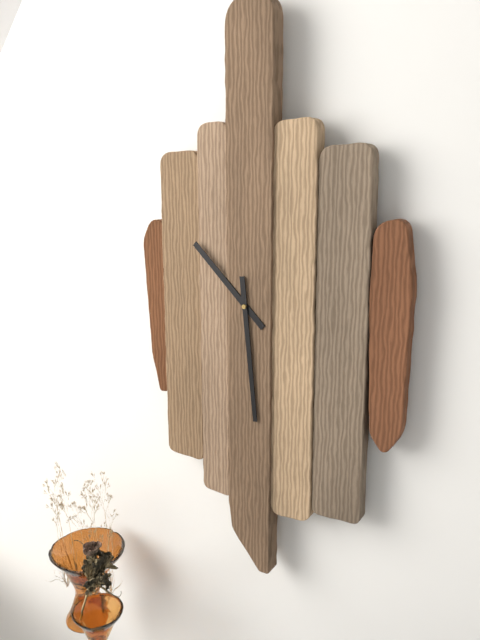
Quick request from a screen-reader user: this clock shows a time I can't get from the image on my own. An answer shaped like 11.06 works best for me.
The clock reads 10.29
